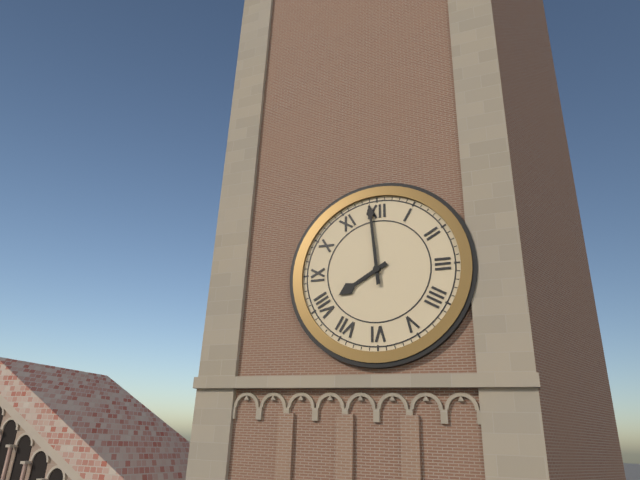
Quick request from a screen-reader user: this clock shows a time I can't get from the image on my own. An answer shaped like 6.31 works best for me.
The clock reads 7.59
